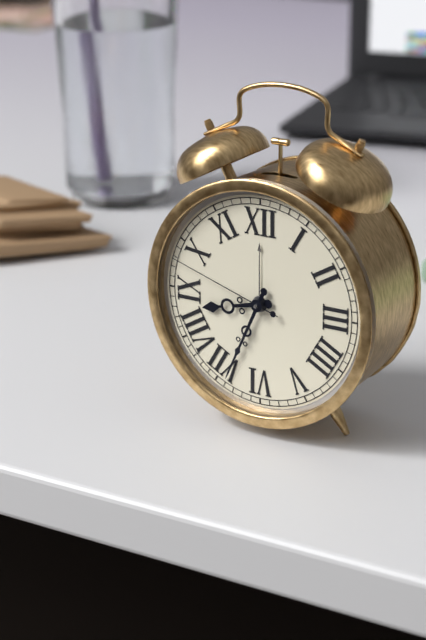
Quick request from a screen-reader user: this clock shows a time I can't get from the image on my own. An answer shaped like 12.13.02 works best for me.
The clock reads 8.34.48
